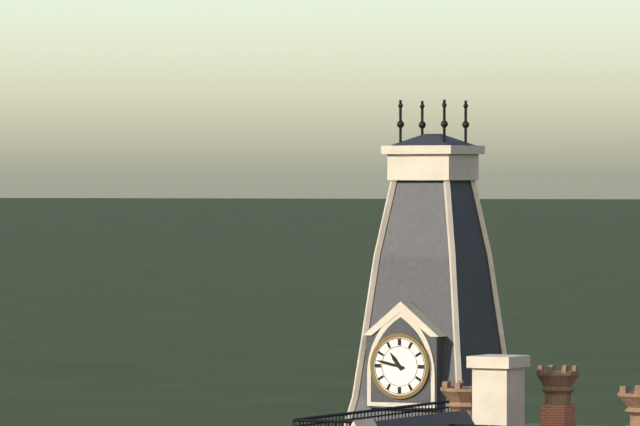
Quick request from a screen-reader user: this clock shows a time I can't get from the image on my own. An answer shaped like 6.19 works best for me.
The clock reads 10.47
